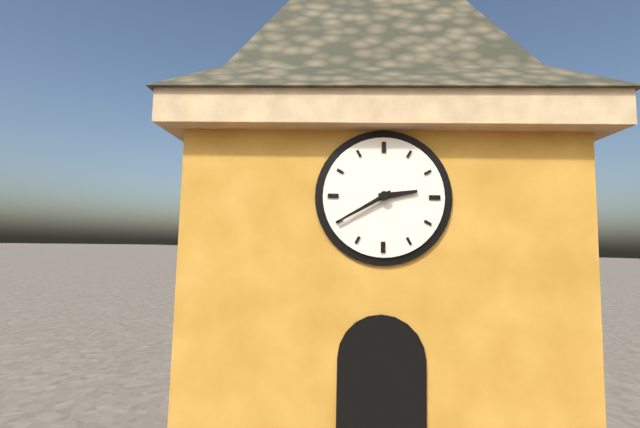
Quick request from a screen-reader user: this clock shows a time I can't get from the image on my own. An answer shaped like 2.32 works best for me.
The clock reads 2.40
